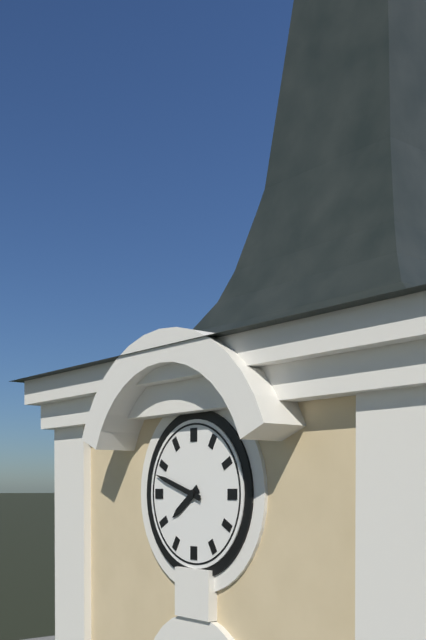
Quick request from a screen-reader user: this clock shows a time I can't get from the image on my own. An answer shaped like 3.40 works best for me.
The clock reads 7.48
